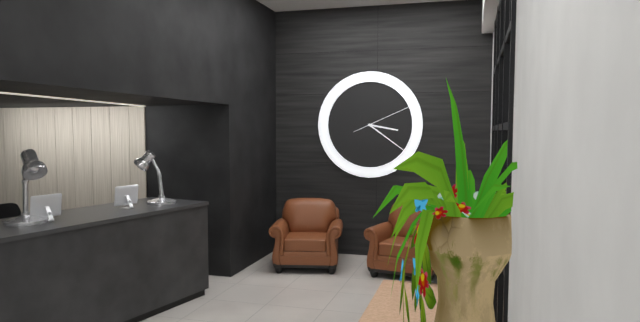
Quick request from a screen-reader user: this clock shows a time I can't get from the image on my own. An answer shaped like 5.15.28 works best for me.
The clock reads 3.21.11
